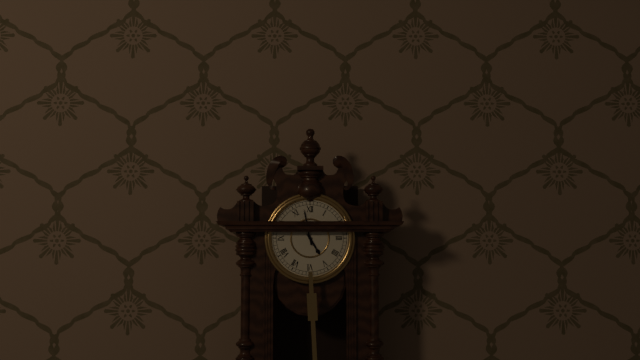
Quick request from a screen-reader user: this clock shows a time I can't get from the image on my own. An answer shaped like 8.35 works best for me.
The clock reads 4.58
